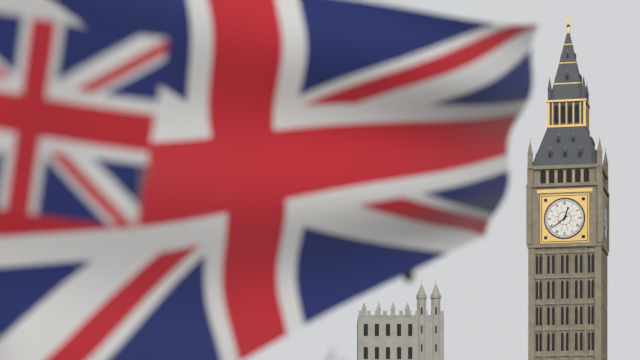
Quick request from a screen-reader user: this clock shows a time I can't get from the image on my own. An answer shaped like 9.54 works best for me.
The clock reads 12.39
